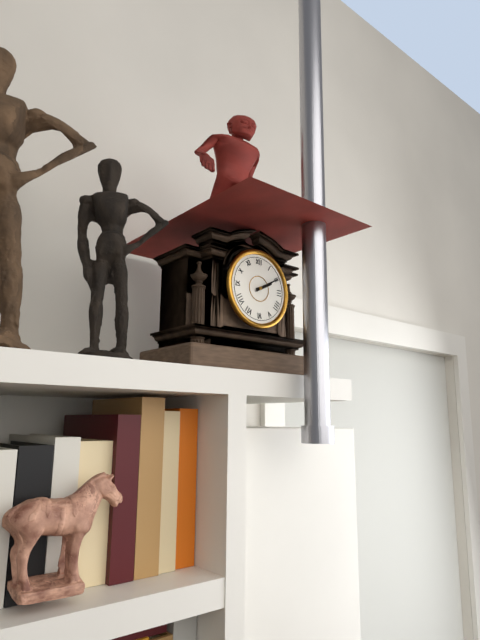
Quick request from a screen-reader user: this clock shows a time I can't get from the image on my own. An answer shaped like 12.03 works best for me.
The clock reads 2.10
